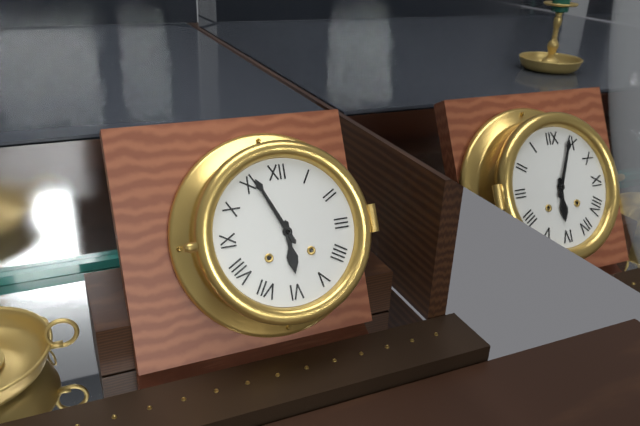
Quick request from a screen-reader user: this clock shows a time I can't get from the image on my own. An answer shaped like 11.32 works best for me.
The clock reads 5.56
